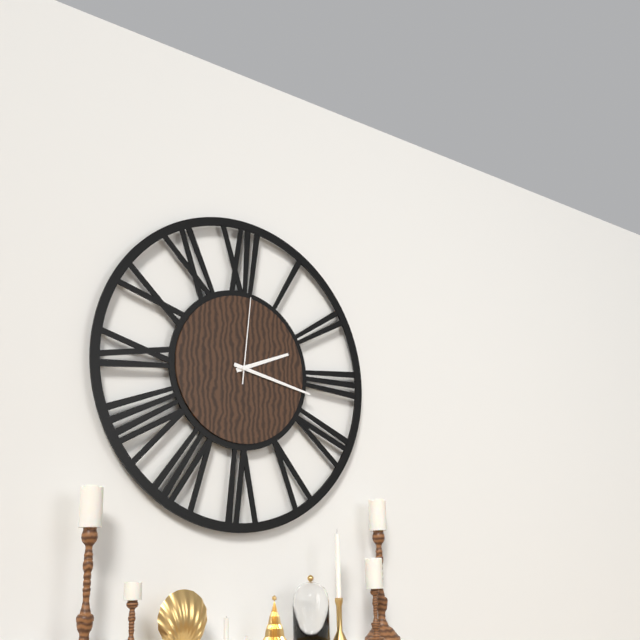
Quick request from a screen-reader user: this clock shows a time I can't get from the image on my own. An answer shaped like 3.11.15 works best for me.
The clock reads 2.17.01
